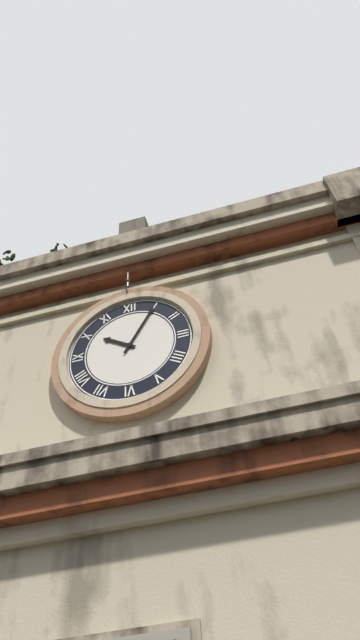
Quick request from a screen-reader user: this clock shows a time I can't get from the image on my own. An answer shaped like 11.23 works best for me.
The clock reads 10.05
